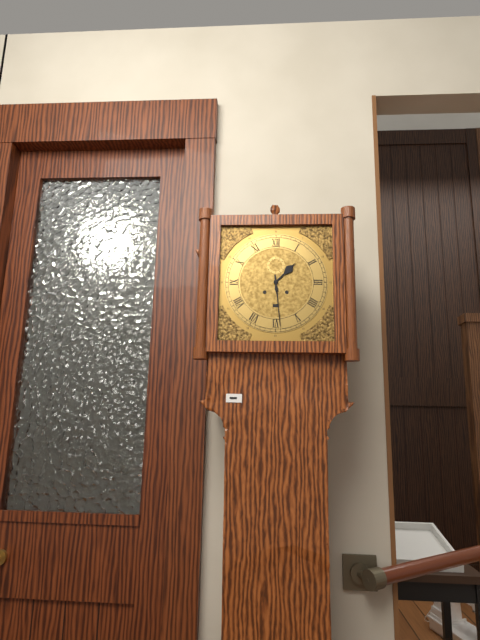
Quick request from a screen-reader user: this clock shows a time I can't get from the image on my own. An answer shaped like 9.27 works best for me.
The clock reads 1.29
